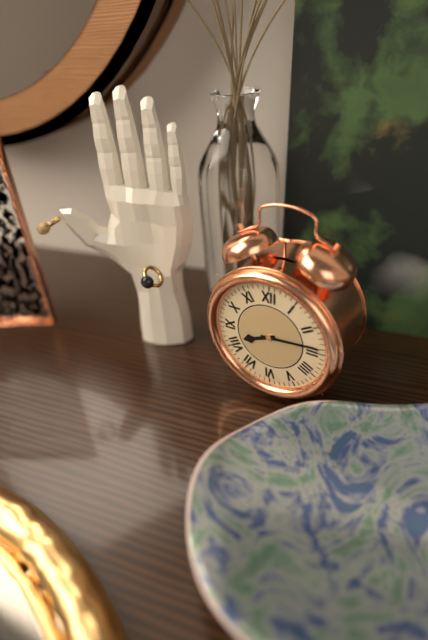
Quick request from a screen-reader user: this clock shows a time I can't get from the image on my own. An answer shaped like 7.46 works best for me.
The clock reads 8.14
